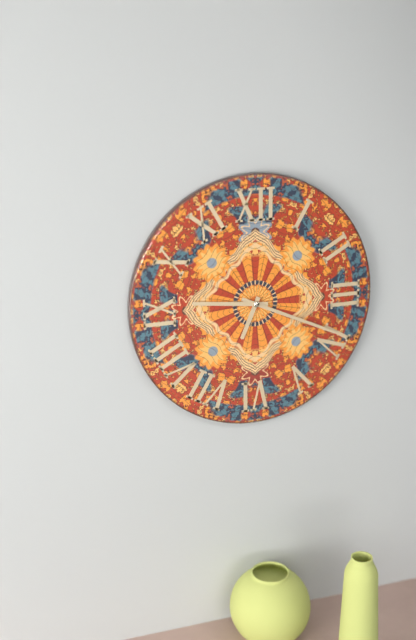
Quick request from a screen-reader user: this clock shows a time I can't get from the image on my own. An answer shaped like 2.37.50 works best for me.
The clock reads 6.46.19
